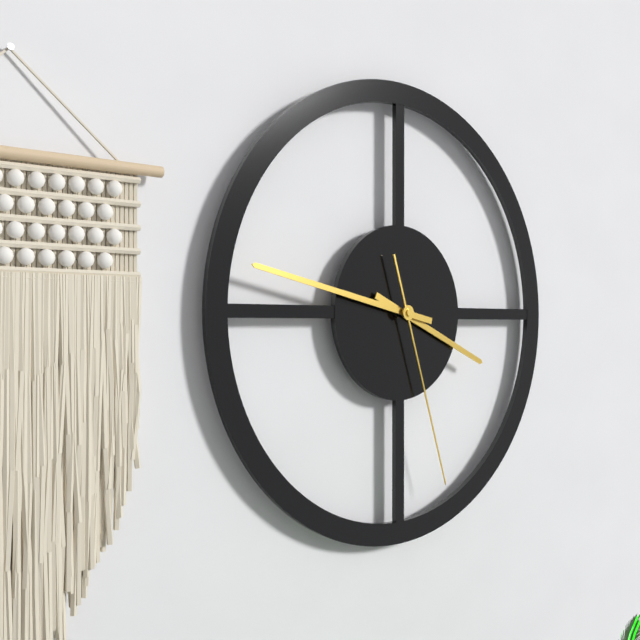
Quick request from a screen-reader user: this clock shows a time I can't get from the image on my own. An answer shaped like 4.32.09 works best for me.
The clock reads 3.47.27
